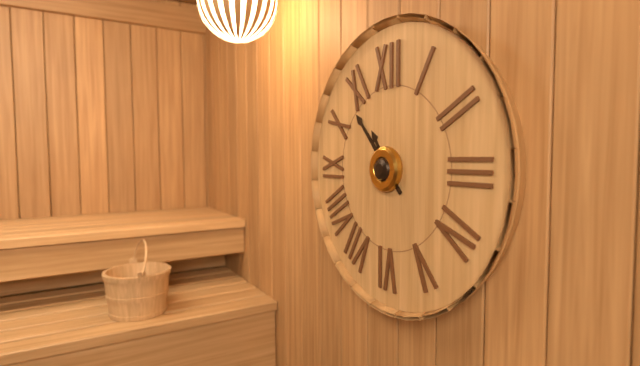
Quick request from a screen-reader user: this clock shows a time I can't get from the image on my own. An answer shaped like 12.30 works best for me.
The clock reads 10.53
